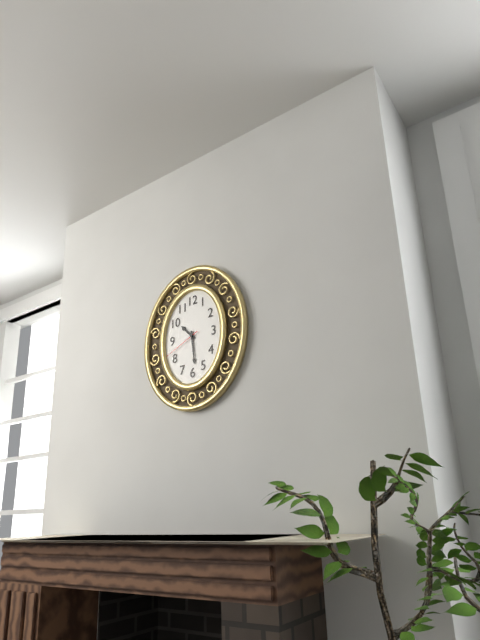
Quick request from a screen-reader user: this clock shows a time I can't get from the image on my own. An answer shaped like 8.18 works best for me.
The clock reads 10.29
